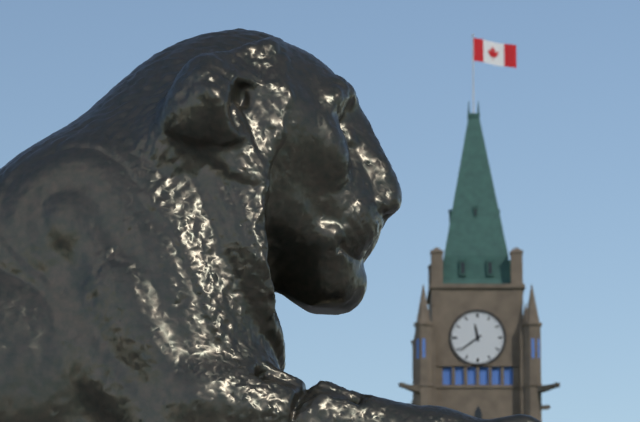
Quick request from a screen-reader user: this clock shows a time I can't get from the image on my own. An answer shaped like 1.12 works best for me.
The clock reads 11.39
